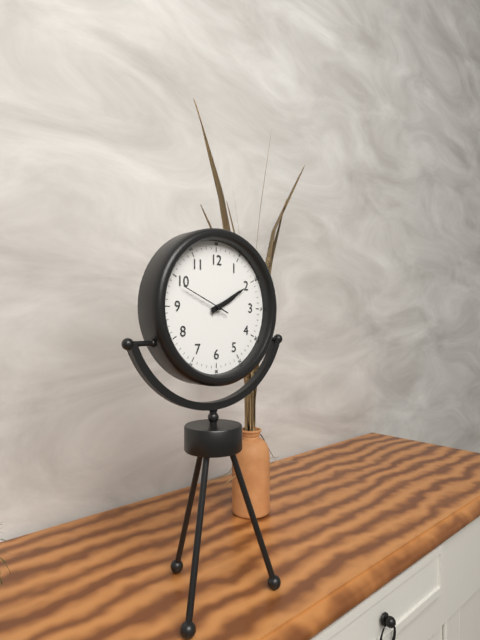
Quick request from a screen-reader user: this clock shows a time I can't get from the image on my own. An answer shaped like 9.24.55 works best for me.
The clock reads 2.10.49
